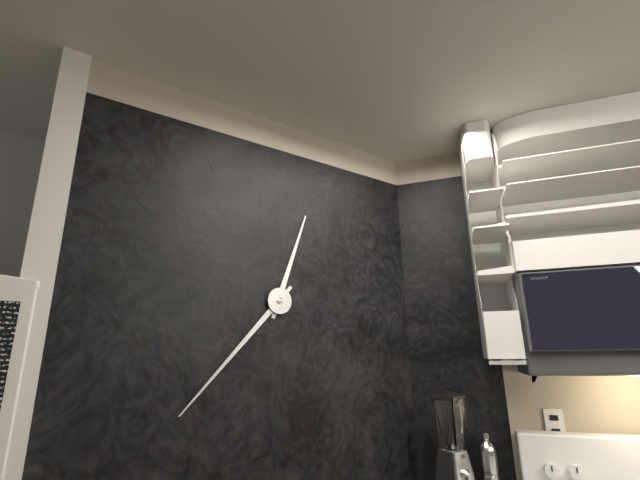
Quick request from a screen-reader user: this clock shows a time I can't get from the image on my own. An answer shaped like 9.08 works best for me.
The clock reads 12.37
